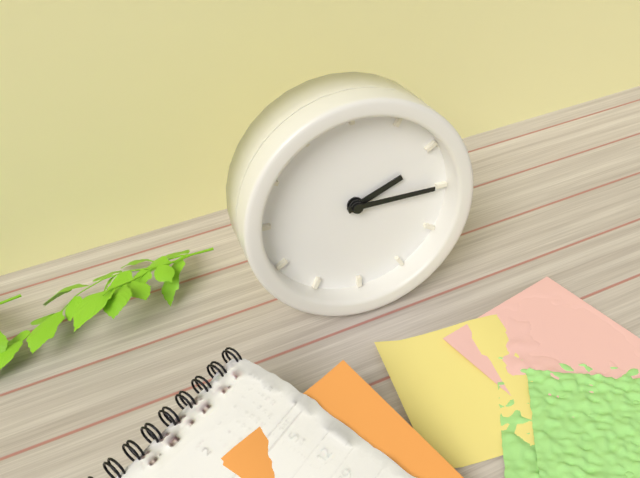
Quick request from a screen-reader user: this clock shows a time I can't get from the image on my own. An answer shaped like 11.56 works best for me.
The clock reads 2.15
